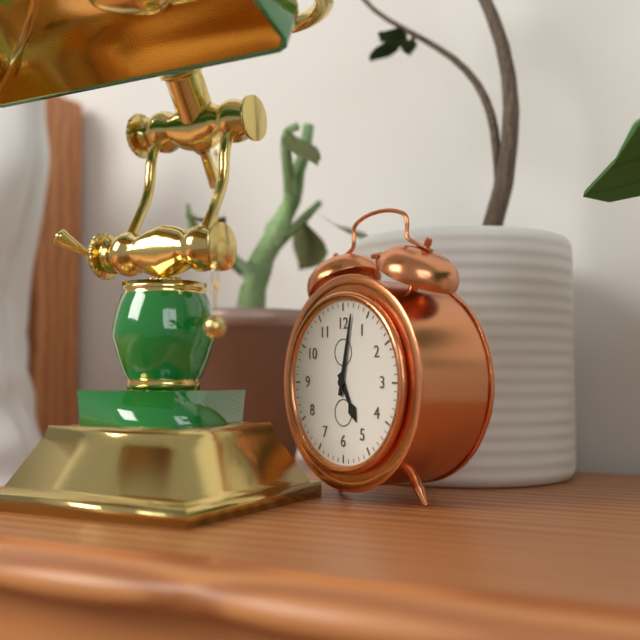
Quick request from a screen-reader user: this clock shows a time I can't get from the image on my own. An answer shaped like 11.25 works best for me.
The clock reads 5.02
